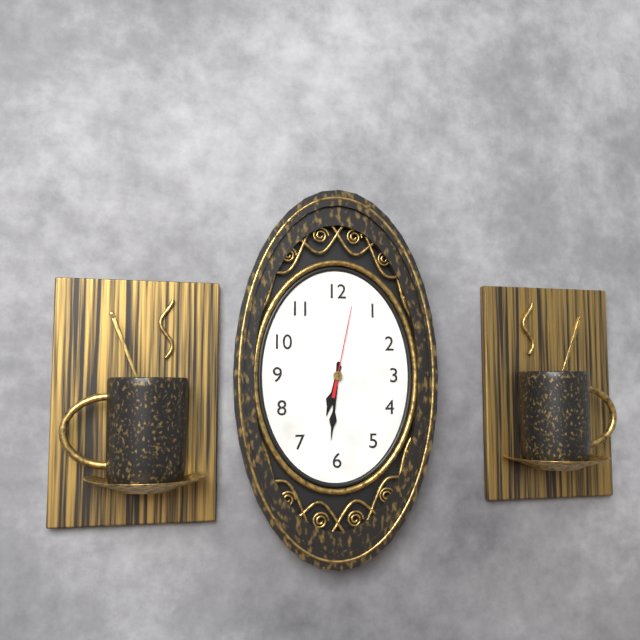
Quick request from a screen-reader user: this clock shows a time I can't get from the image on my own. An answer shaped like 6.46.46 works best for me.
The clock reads 6.31.02
